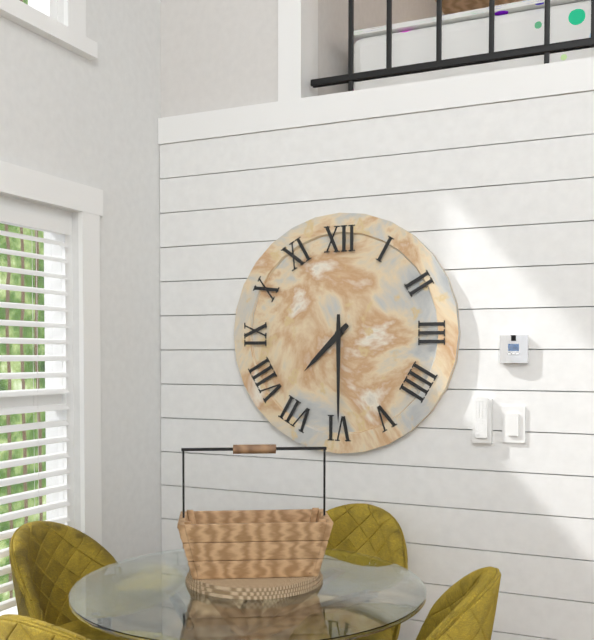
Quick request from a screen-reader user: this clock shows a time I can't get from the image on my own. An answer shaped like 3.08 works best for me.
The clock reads 7.30
